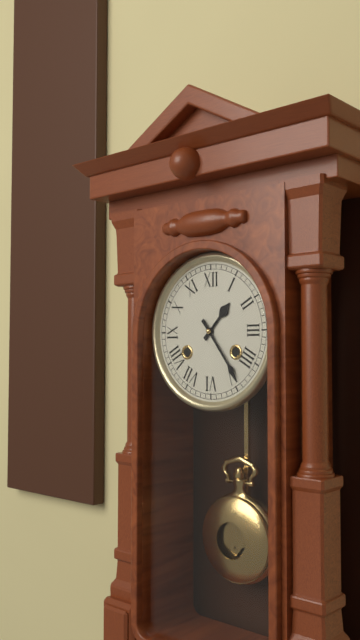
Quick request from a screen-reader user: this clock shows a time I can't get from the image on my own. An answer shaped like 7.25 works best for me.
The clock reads 1.24
